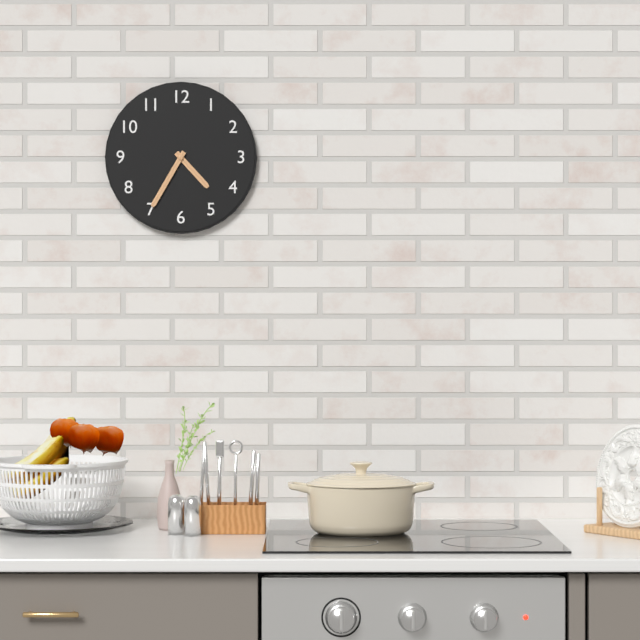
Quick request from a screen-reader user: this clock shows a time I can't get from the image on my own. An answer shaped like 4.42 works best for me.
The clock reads 4.35
